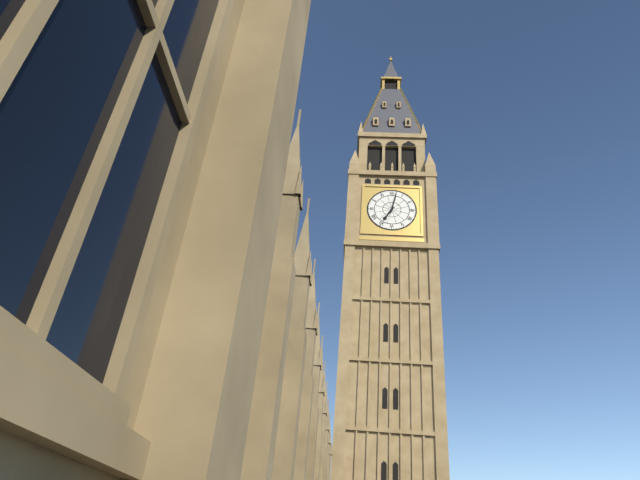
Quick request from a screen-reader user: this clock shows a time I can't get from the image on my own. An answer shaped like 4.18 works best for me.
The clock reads 7.02
